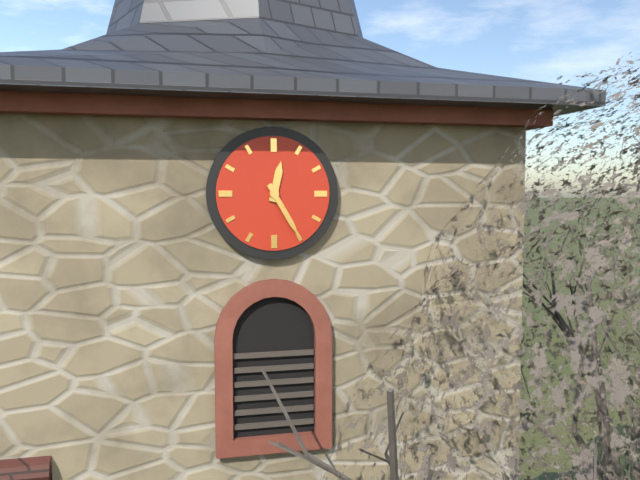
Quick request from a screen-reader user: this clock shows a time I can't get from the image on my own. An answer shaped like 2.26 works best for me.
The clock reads 12.25
